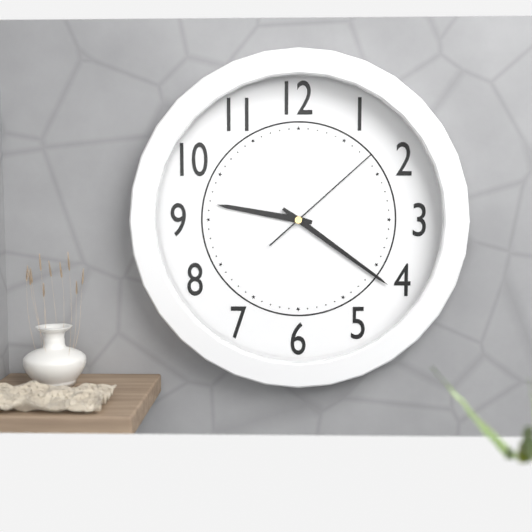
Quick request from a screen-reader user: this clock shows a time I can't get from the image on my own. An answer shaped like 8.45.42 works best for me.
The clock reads 9.21.08
